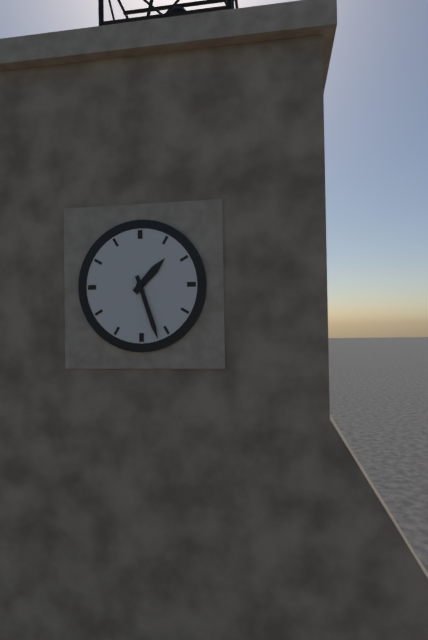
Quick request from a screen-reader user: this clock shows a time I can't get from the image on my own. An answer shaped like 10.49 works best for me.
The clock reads 1.27
